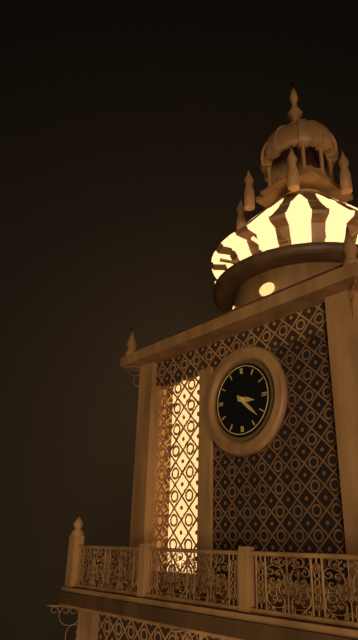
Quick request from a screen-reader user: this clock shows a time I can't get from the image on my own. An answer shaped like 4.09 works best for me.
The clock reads 3.22
